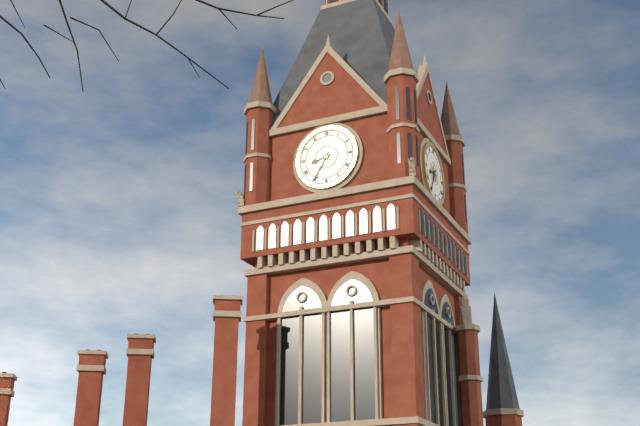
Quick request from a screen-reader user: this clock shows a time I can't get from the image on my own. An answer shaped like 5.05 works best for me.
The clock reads 8.35
